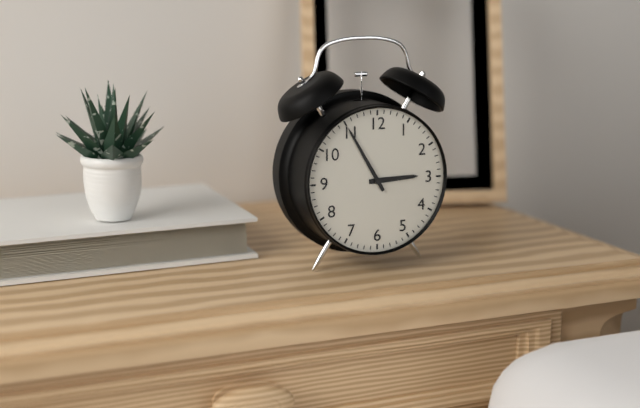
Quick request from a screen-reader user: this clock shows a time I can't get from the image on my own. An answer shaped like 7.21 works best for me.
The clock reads 2.55
